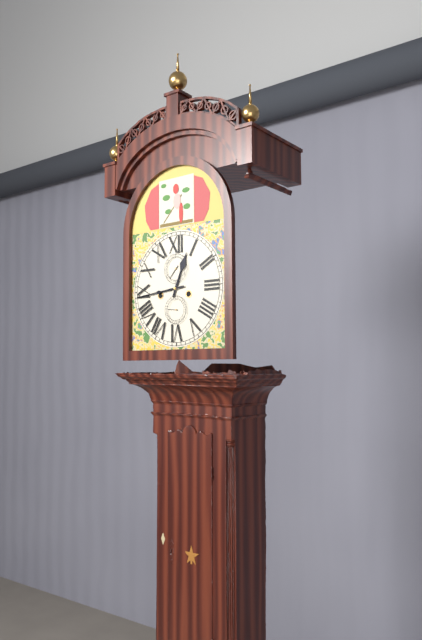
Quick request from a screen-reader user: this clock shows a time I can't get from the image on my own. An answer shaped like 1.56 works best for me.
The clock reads 12.44
